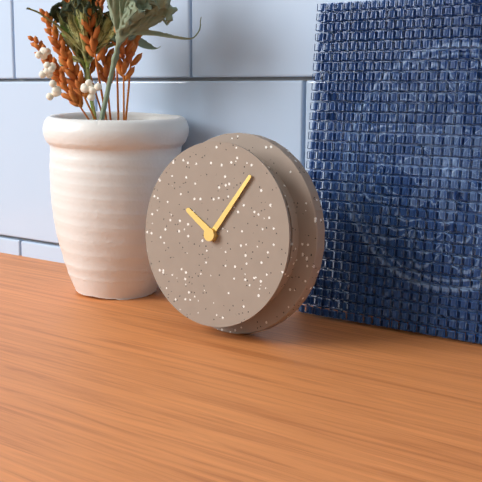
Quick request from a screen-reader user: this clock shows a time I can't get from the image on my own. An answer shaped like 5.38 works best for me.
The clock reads 10.06
